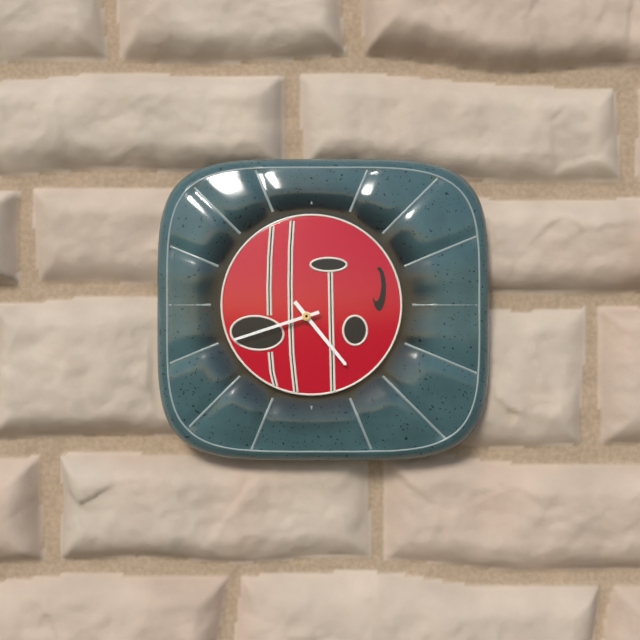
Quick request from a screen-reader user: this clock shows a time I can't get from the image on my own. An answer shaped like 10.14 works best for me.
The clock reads 4.42
